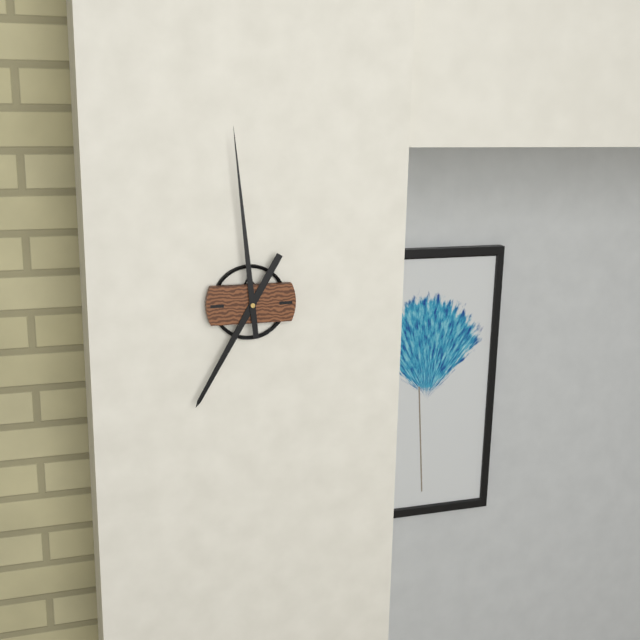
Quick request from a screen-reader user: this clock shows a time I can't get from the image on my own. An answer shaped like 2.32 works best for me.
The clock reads 6.59
